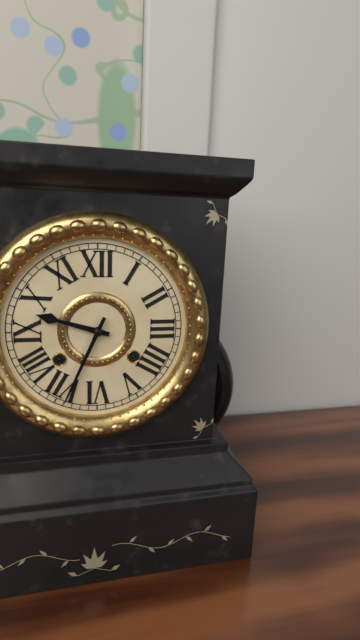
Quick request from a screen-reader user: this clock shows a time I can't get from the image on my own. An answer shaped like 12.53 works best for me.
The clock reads 9.34
